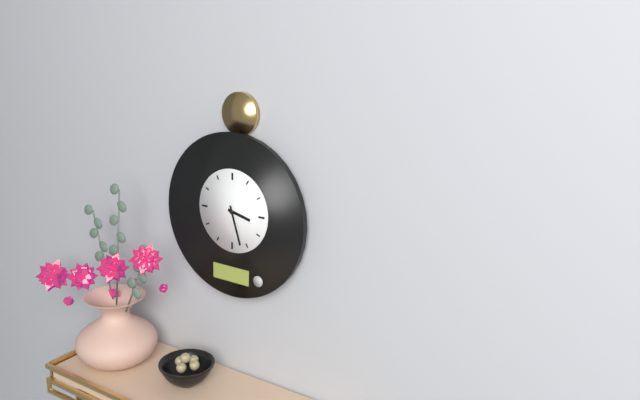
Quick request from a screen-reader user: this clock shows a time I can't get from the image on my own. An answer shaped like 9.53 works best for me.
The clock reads 3.27
